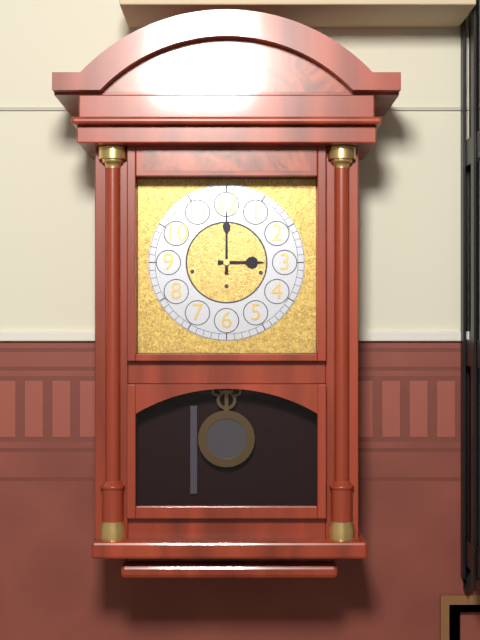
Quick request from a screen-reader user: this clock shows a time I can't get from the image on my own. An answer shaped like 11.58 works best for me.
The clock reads 3.00
